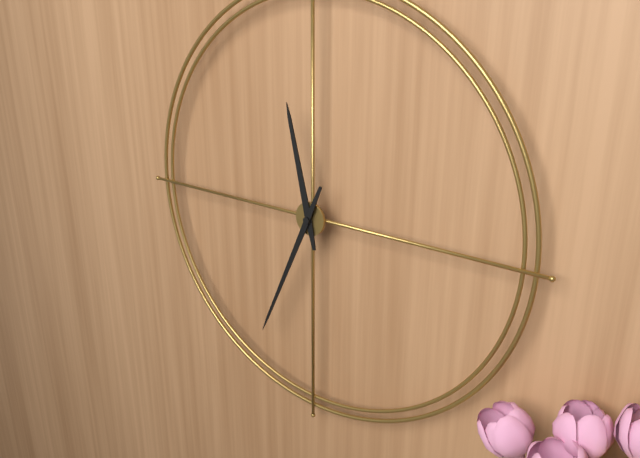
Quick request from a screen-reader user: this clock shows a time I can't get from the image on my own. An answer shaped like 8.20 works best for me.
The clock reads 11.34
